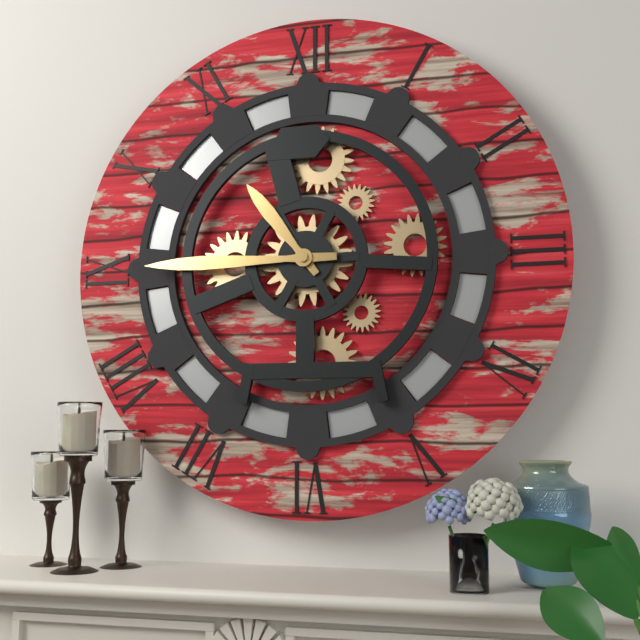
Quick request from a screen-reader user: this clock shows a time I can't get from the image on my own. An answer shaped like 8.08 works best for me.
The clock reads 10.45
